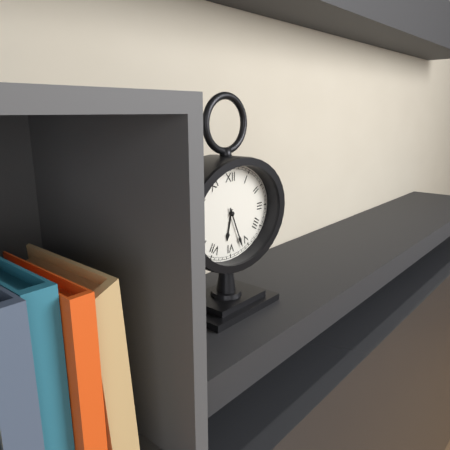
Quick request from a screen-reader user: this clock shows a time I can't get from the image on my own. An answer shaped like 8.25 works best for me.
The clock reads 6.26
